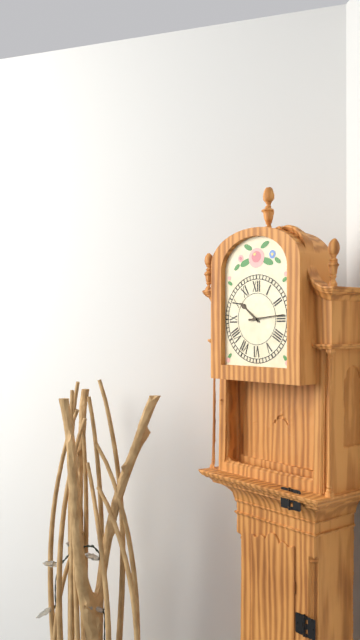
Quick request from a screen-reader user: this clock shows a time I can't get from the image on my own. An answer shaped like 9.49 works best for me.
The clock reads 10.14
